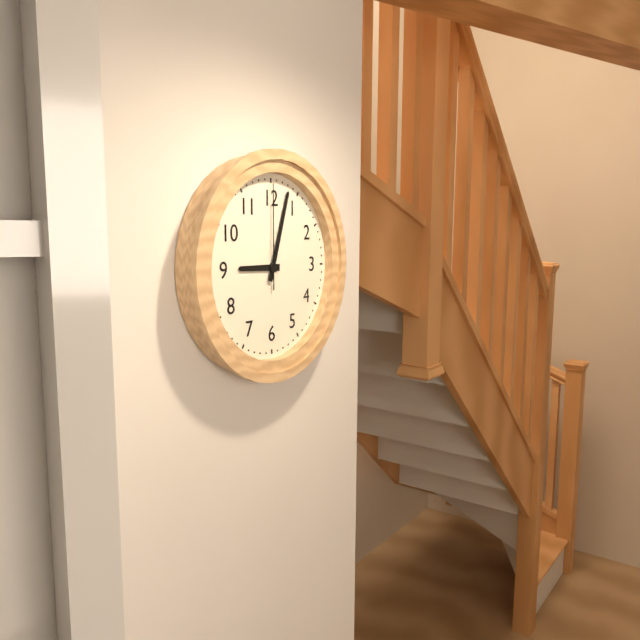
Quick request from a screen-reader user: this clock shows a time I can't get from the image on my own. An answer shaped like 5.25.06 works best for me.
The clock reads 9.03.00
